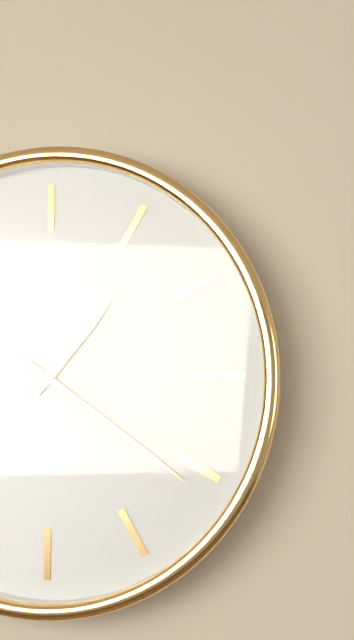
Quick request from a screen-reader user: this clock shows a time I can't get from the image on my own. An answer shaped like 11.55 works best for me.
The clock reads 1.21
